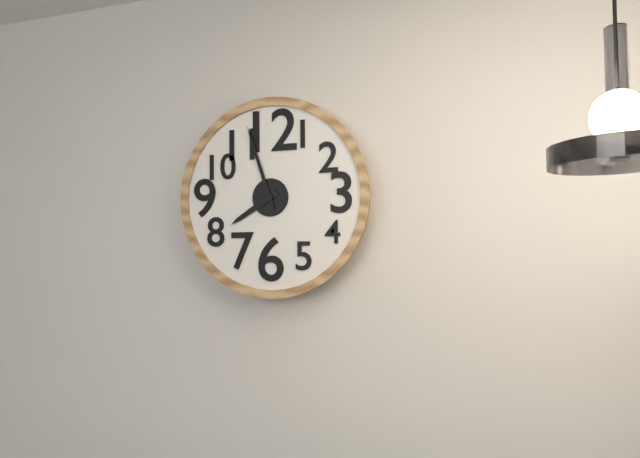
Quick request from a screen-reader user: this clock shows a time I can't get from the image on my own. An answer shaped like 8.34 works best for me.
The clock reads 7.57
